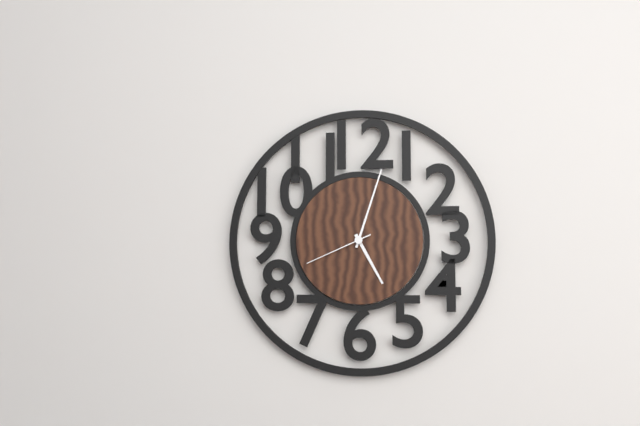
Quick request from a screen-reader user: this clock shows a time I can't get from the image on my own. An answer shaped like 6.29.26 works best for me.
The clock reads 5.03.41
